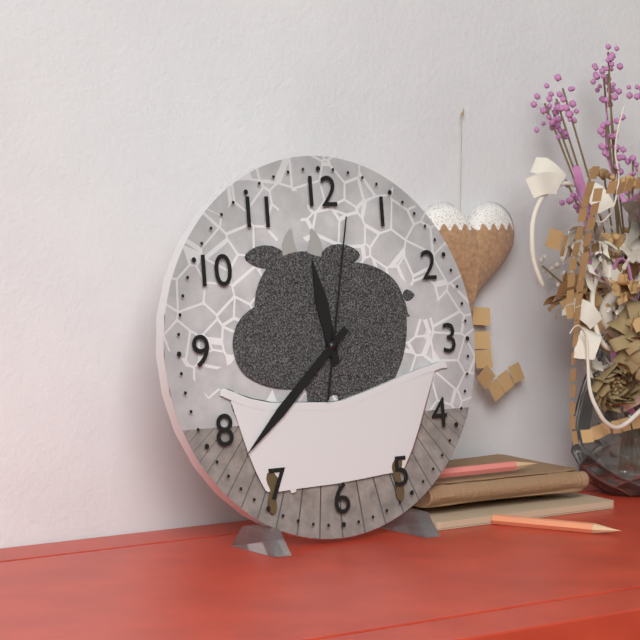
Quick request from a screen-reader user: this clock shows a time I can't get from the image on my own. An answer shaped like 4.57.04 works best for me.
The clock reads 11.38.02
